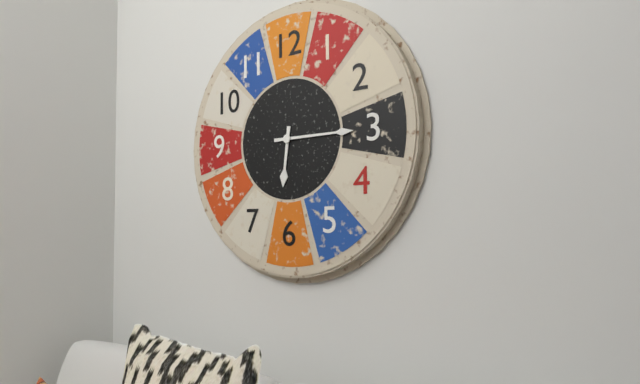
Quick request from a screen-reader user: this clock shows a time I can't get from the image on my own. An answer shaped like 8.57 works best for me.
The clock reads 6.15
